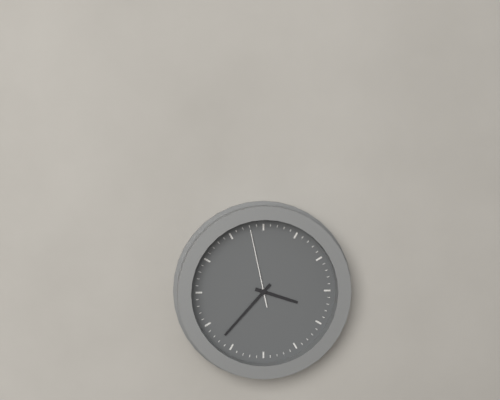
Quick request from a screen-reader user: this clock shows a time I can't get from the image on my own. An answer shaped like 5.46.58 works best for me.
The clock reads 3.37.58
